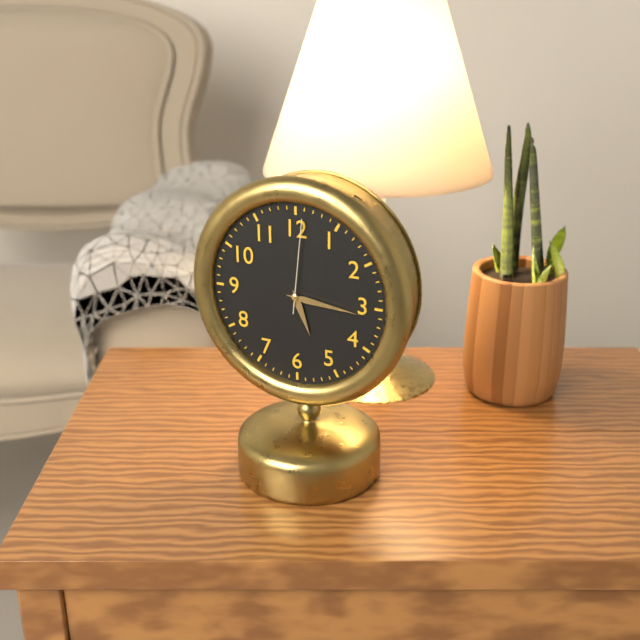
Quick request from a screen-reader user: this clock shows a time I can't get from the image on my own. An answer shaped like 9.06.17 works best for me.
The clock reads 5.16.01
